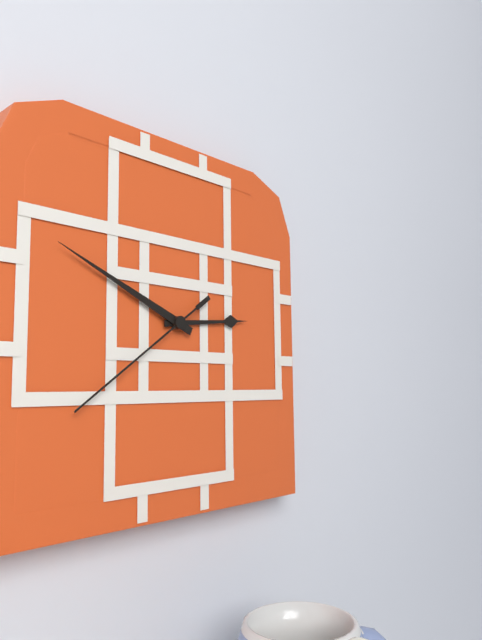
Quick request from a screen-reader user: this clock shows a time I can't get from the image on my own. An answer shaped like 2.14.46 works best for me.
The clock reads 2.49.39
